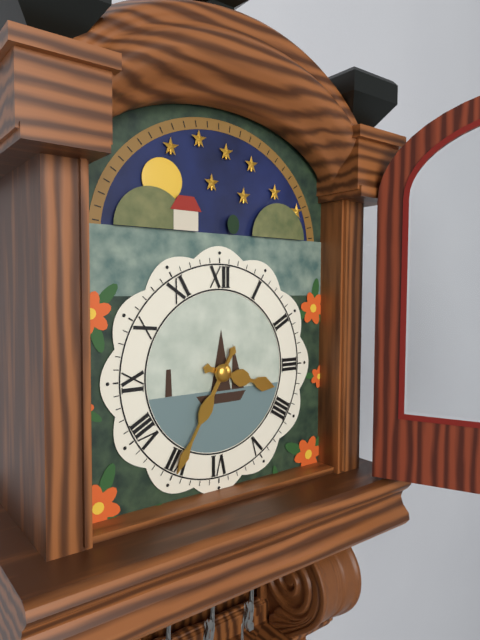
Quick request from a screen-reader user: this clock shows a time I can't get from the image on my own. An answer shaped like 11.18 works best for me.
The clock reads 3.35
